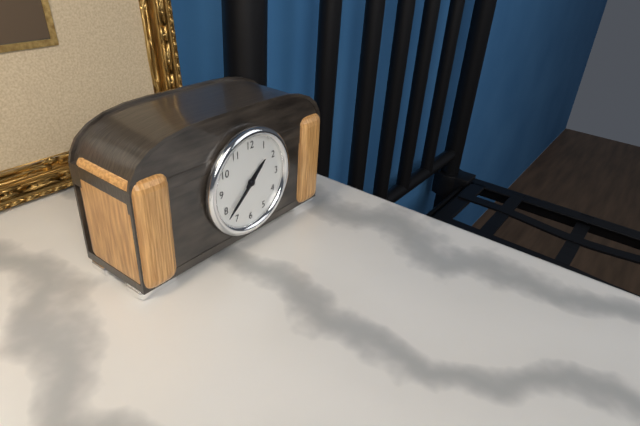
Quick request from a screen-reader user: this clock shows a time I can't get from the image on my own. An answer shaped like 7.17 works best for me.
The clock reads 1.38
